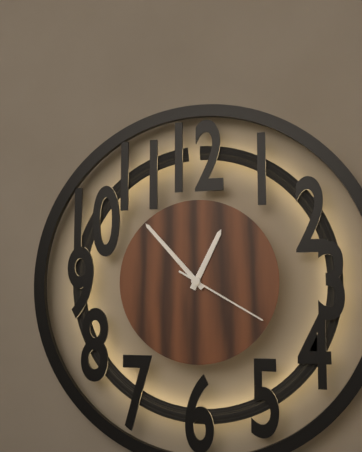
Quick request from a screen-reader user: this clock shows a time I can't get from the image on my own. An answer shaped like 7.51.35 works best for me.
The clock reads 12.53.20
